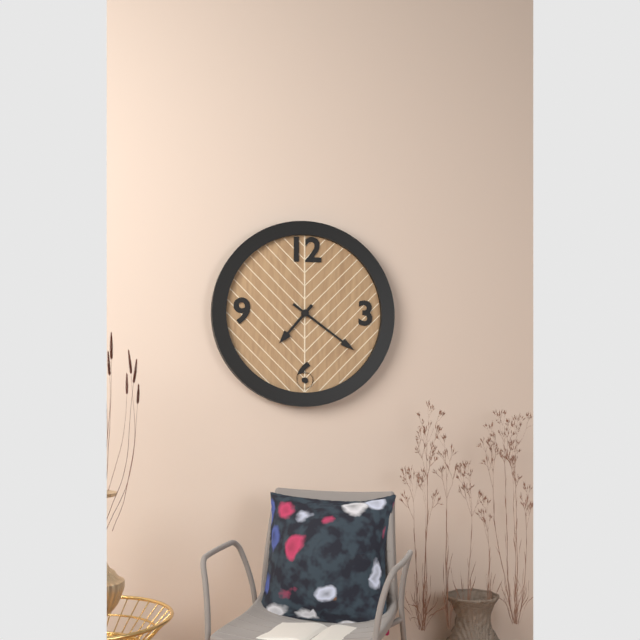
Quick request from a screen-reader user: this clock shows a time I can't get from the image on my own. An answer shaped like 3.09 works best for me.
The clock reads 7.21
